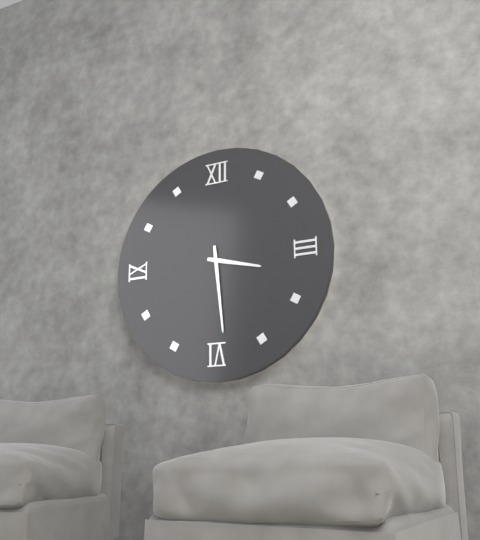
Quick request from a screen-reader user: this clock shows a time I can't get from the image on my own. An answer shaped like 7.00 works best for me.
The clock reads 3.29
